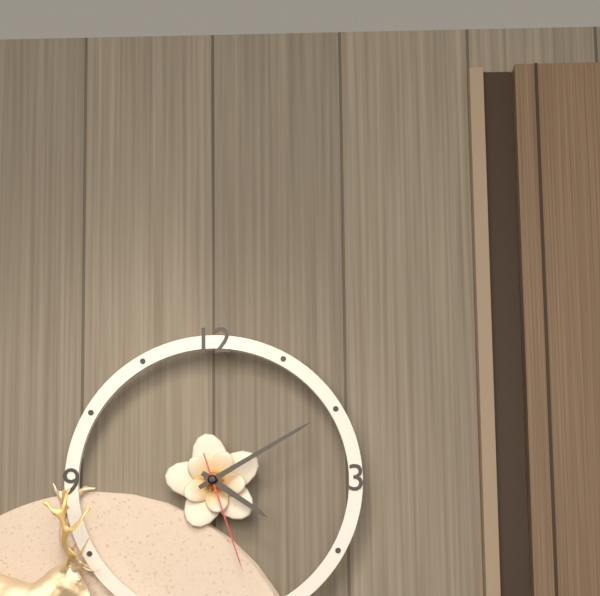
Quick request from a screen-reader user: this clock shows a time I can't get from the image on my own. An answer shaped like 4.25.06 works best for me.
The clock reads 4.10.27
